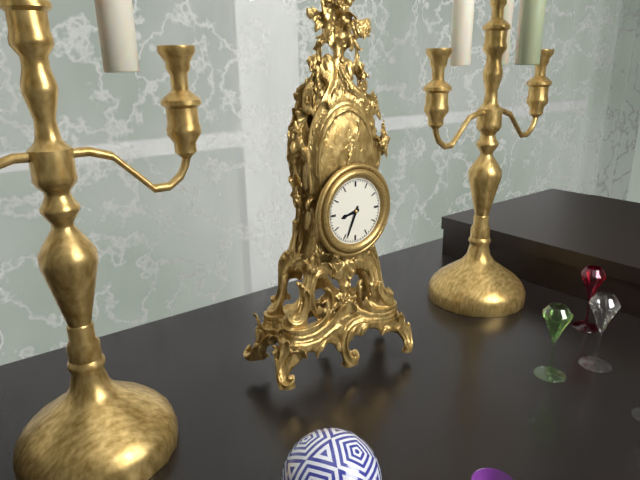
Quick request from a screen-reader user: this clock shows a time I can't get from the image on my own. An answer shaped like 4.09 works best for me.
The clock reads 8.34
